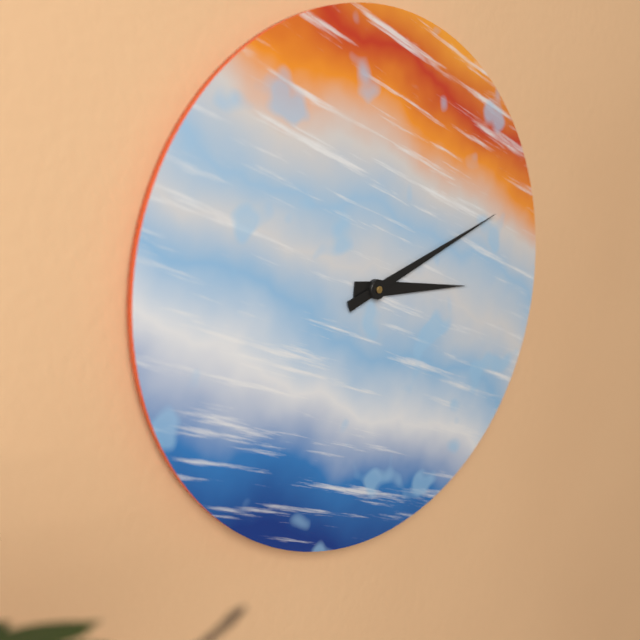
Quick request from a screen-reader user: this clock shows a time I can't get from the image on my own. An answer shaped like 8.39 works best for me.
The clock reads 3.12
